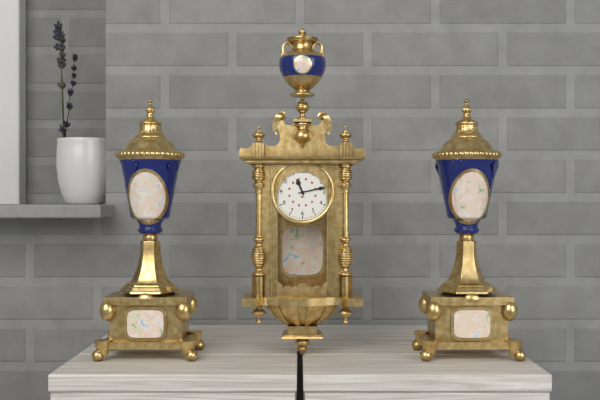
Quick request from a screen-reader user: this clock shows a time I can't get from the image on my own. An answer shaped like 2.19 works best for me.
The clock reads 11.13
